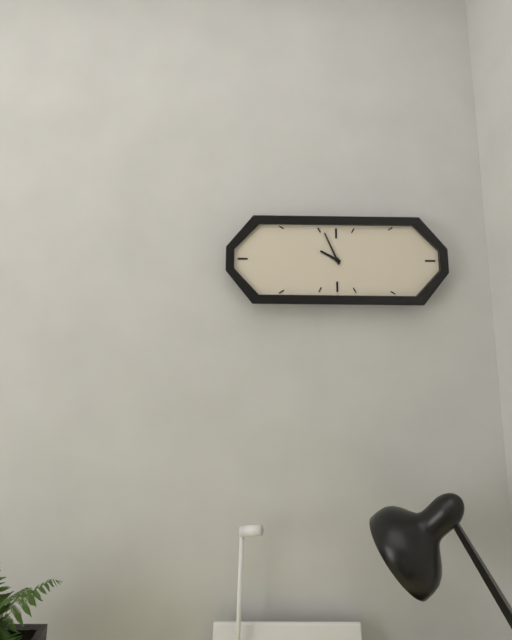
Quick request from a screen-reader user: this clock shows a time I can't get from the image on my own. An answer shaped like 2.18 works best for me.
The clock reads 9.56
